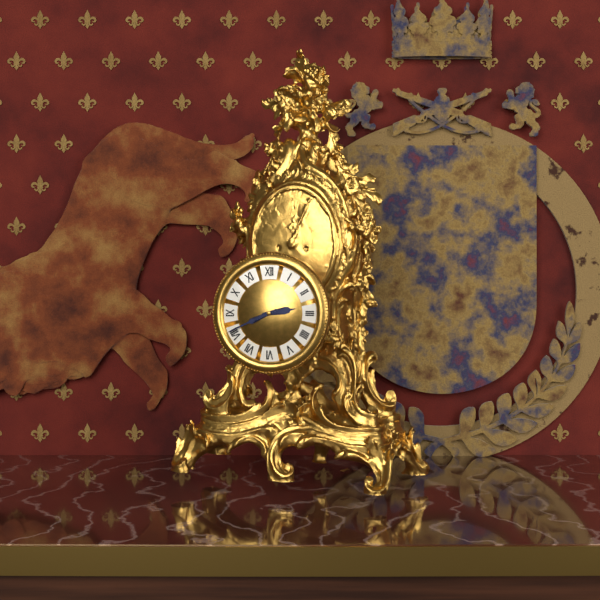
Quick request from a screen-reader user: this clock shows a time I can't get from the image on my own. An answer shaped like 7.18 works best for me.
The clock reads 2.41
